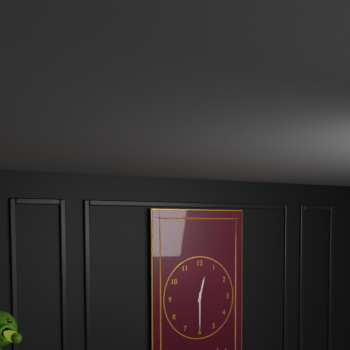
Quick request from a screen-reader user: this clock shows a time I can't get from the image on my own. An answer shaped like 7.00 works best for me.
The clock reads 12.30
